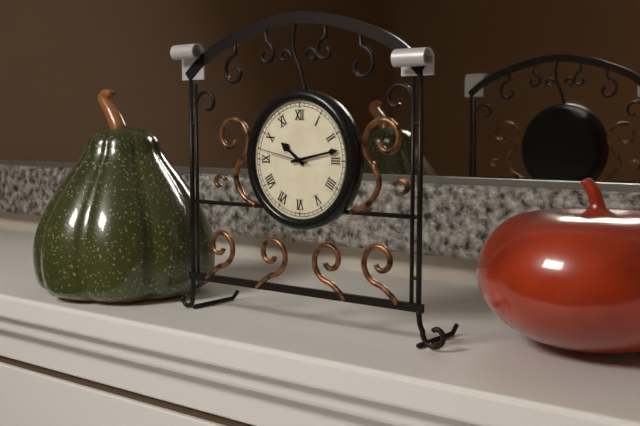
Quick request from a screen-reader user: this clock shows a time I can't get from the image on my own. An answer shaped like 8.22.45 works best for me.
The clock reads 10.13.47
